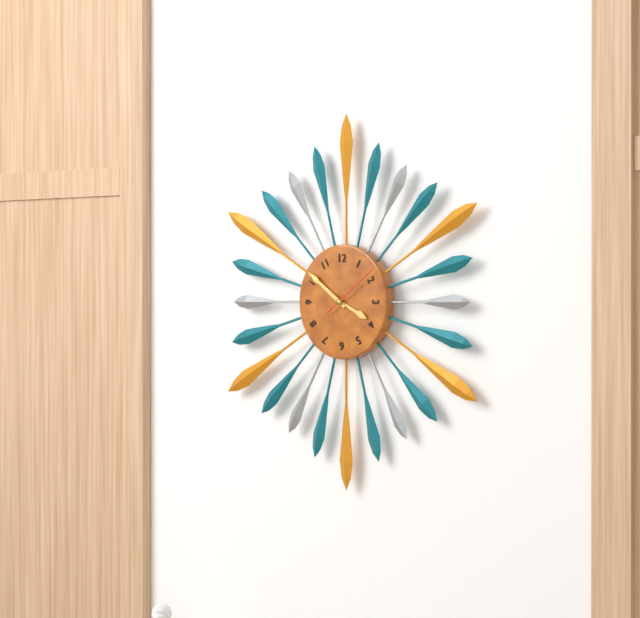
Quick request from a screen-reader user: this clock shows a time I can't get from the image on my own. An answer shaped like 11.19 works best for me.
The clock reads 3.51
